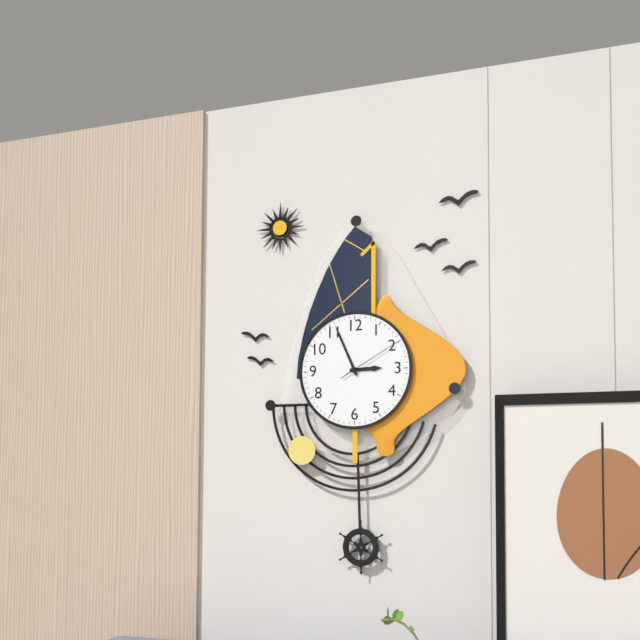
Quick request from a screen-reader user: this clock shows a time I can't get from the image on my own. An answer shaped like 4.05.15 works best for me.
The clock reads 2.56.10
